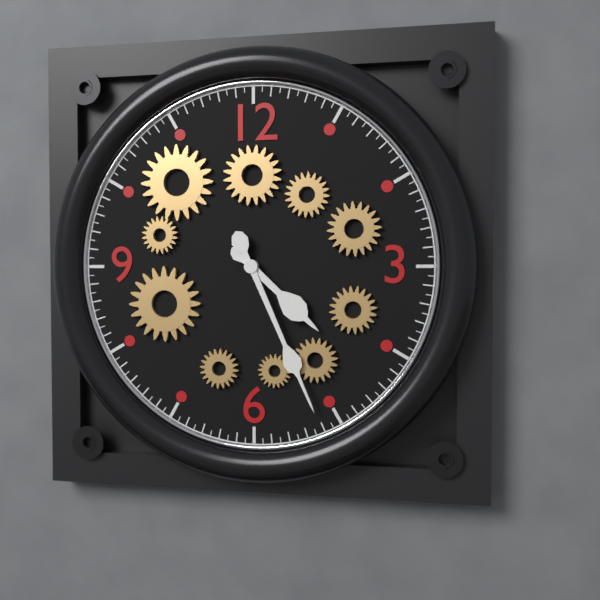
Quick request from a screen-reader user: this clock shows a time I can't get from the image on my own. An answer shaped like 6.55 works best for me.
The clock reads 4.26
